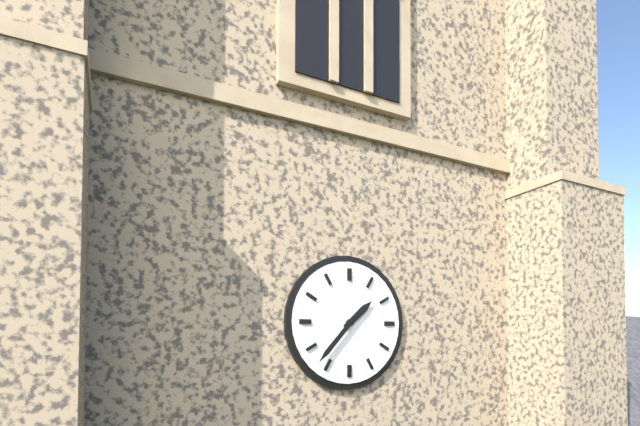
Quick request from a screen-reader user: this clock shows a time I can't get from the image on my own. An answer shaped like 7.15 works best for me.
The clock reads 1.37
